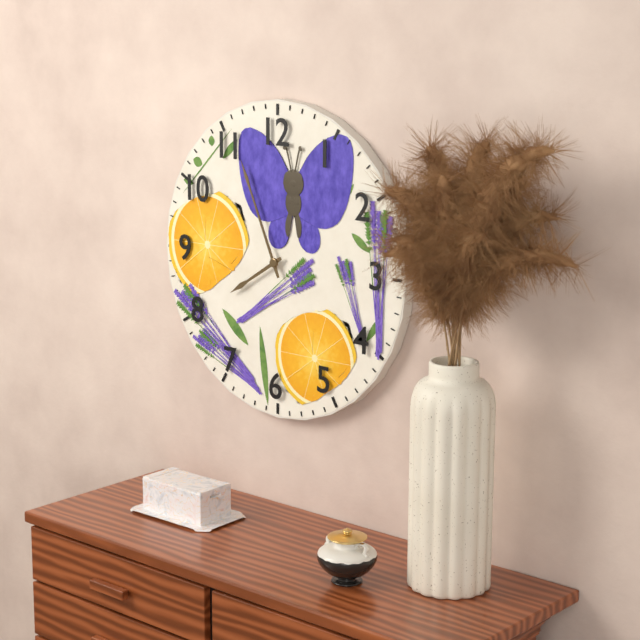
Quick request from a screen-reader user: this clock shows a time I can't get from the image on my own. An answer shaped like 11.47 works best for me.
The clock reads 7.56
